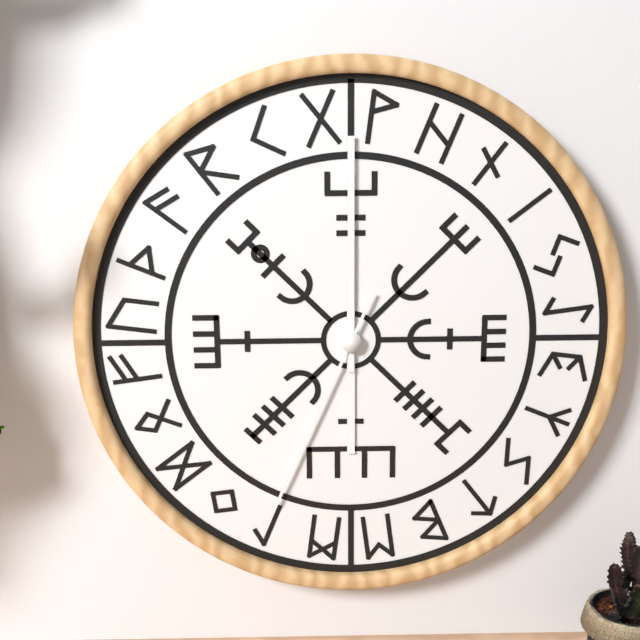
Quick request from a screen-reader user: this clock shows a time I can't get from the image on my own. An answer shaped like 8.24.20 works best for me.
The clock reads 6.00.34
